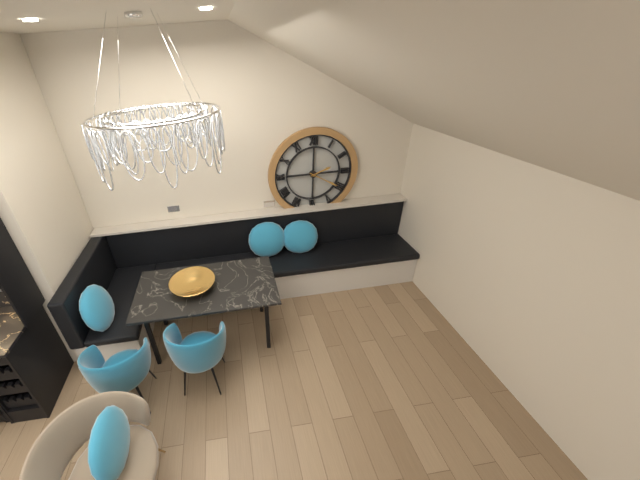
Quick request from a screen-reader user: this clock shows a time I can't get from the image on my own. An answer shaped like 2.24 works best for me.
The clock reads 2.20
